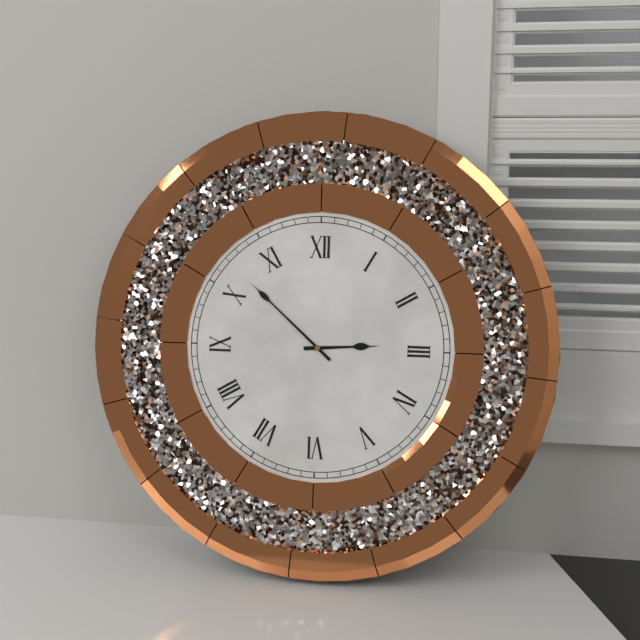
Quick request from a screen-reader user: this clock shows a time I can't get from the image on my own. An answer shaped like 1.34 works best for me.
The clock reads 2.52
